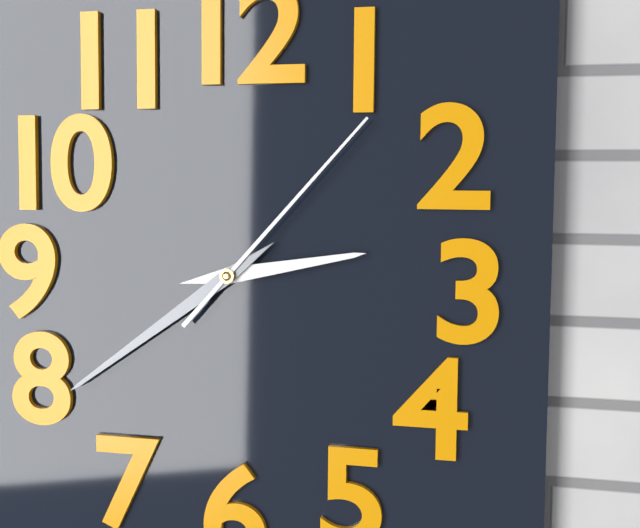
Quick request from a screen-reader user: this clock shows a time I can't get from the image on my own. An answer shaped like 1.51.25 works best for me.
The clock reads 2.39.07
